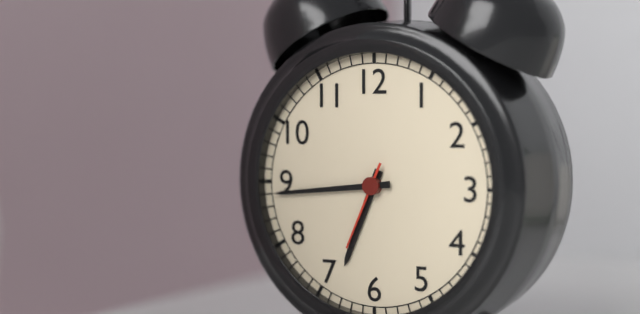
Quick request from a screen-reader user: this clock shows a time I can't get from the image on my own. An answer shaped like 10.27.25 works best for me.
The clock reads 6.44.34
